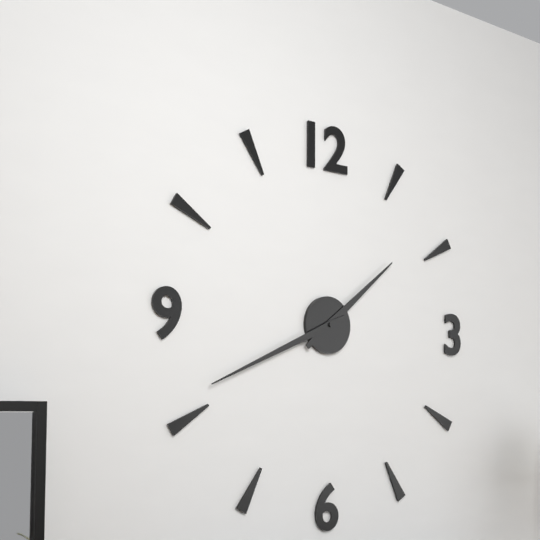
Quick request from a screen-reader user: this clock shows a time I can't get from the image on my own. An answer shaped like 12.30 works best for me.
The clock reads 1.41
